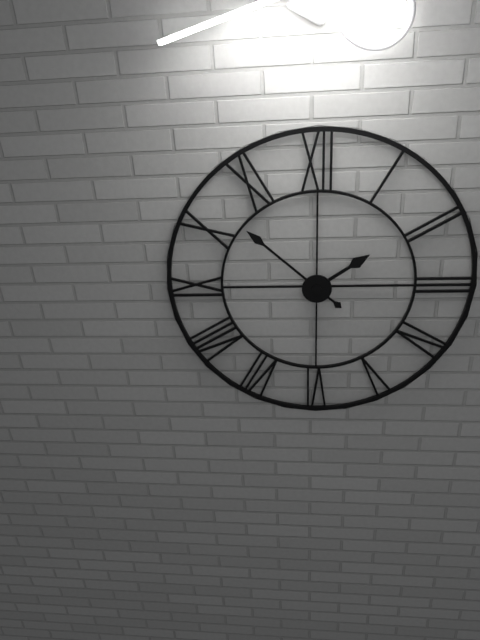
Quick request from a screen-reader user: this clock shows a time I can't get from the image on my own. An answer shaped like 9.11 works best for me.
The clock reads 1.52
